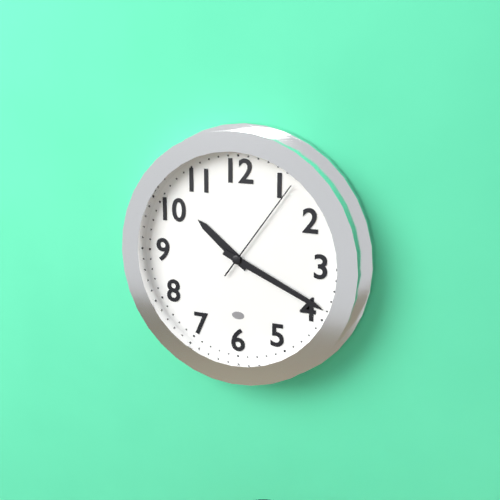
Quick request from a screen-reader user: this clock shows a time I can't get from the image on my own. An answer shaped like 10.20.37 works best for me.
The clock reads 10.19.06
